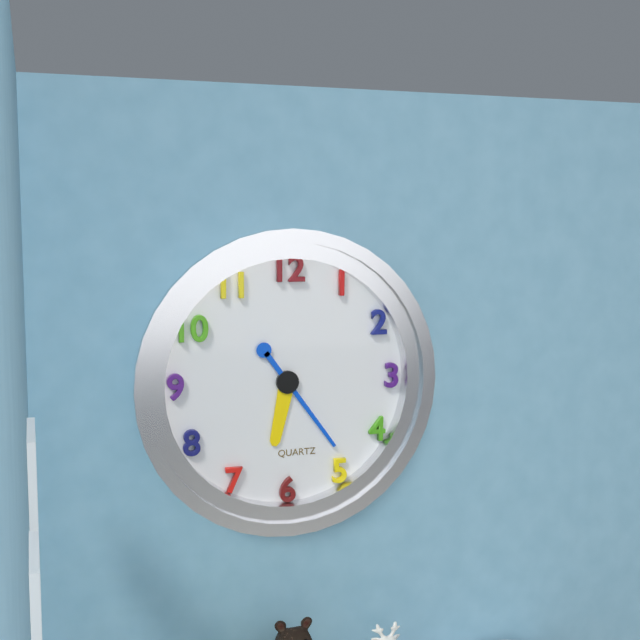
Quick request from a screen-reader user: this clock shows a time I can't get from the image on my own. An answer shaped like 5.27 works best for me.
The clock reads 6.24
